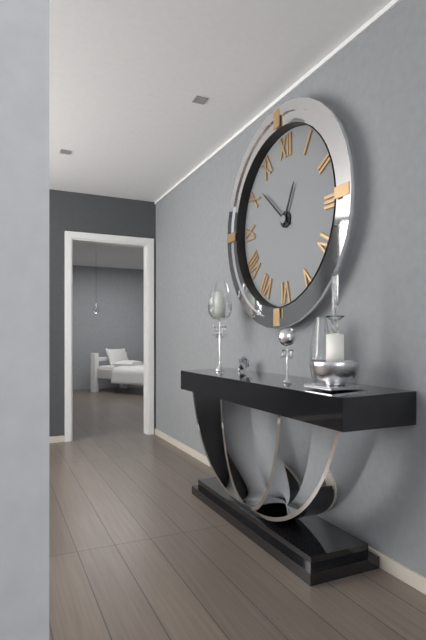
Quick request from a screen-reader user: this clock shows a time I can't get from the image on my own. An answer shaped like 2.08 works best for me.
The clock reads 12.52
